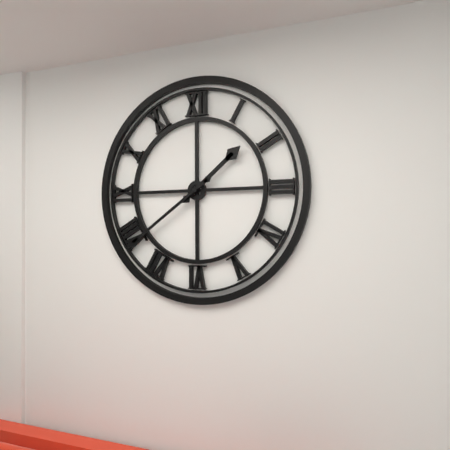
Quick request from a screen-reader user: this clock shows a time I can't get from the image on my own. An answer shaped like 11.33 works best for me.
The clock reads 1.39
